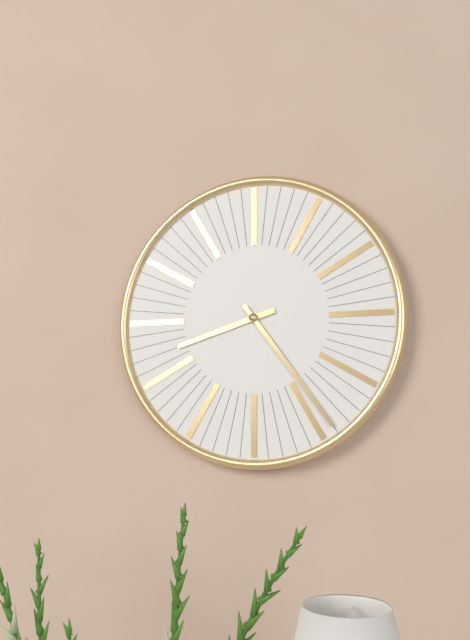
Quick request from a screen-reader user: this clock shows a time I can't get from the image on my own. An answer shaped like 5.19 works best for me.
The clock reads 8.24
